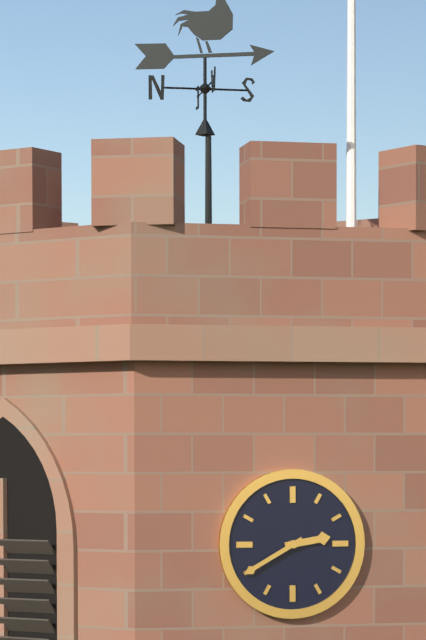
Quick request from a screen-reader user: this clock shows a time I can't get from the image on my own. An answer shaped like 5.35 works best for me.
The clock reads 2.40
